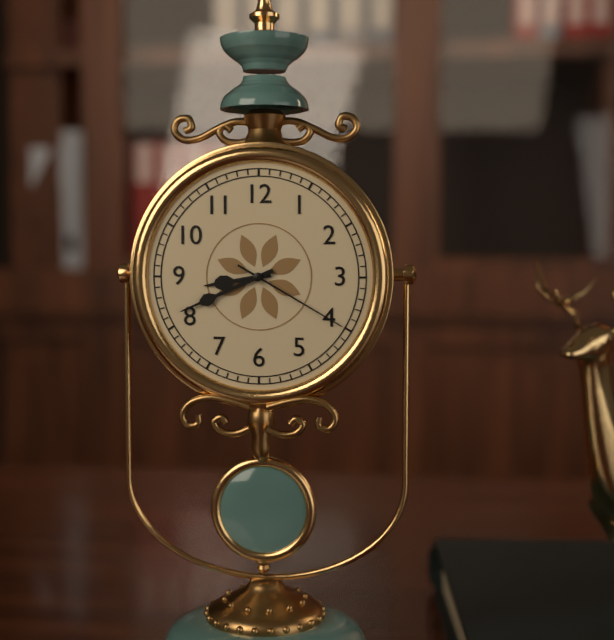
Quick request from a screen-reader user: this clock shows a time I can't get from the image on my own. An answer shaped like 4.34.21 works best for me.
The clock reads 8.41.20
